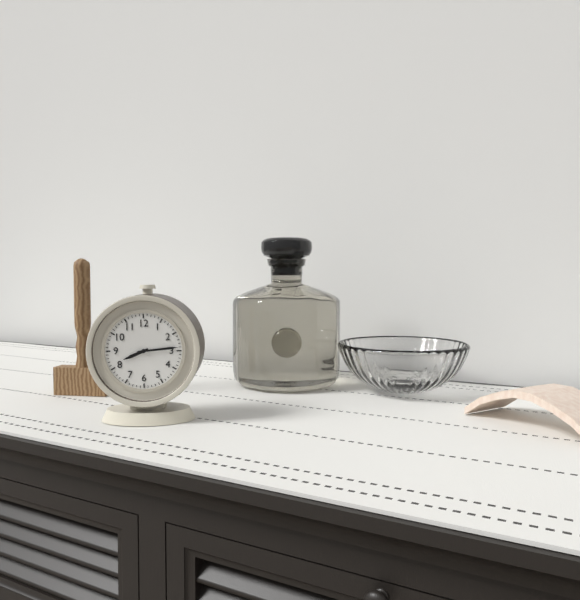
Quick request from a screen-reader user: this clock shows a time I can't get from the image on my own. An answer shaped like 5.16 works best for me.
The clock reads 8.14
